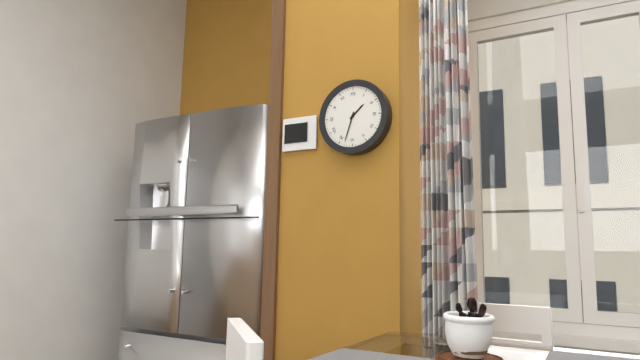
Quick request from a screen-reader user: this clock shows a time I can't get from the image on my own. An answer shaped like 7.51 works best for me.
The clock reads 1.33
